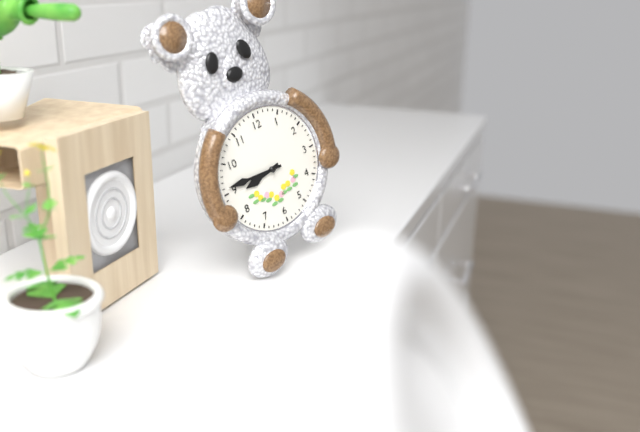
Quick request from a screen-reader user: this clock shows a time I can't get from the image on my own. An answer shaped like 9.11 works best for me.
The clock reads 8.46
